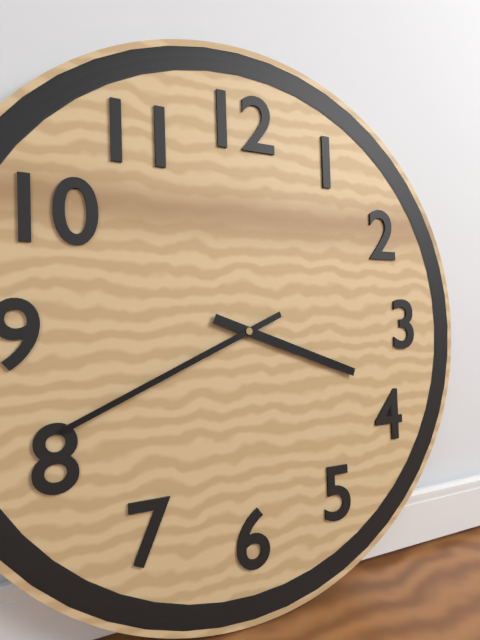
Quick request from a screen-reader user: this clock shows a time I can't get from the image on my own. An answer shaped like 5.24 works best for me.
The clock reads 3.41
